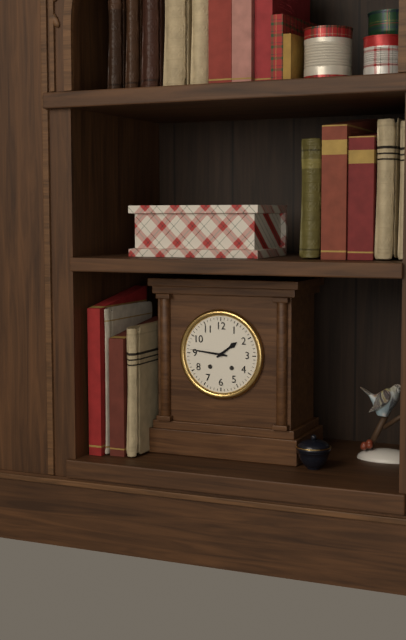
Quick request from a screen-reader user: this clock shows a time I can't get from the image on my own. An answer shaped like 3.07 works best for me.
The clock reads 1.46
